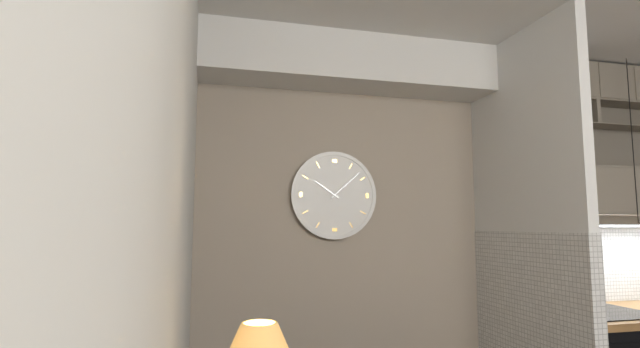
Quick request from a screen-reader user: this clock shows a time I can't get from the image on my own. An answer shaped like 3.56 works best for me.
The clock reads 10.08
